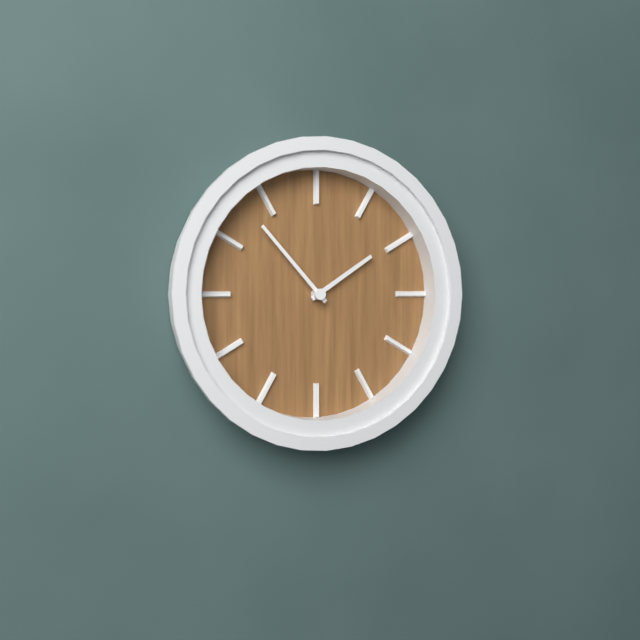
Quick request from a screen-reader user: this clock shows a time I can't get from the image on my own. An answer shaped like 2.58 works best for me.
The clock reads 1.53
